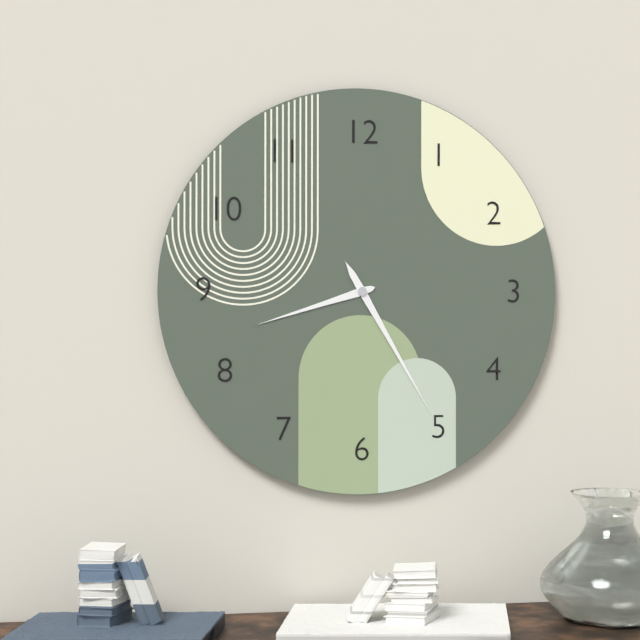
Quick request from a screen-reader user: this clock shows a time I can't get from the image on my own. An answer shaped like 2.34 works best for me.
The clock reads 8.25
